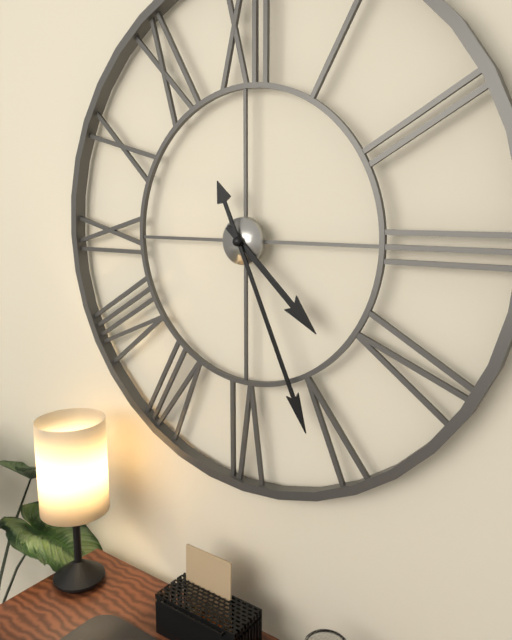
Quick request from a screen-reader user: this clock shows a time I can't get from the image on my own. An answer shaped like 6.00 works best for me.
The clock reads 4.26
